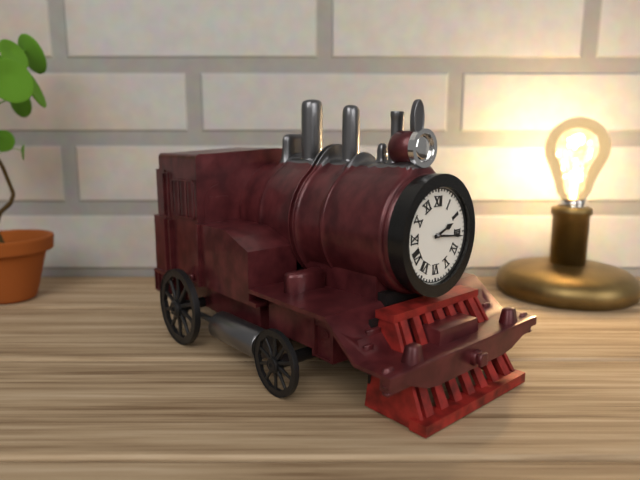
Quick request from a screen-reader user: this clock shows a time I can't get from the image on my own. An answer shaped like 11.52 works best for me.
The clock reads 2.16
